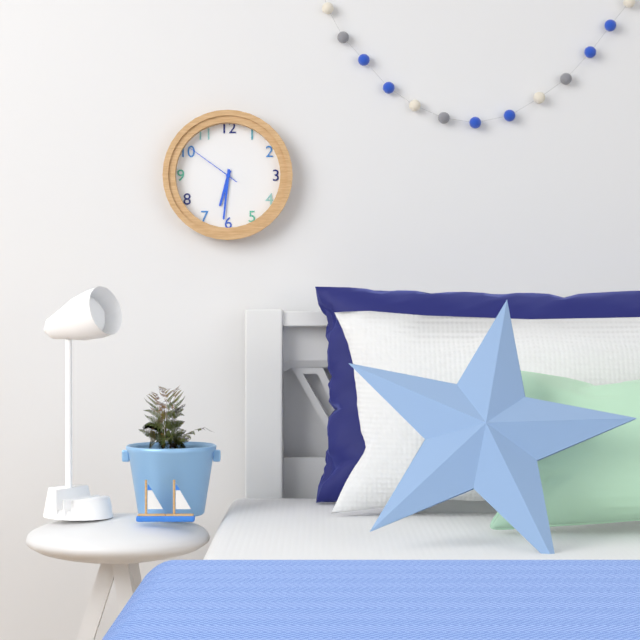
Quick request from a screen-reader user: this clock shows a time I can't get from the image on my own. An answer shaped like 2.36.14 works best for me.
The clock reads 6.31.51
